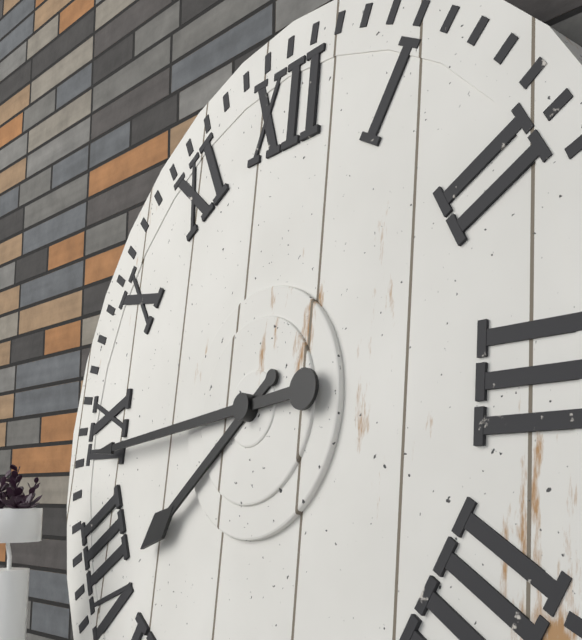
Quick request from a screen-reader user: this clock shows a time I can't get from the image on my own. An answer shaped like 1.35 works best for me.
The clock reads 7.44
